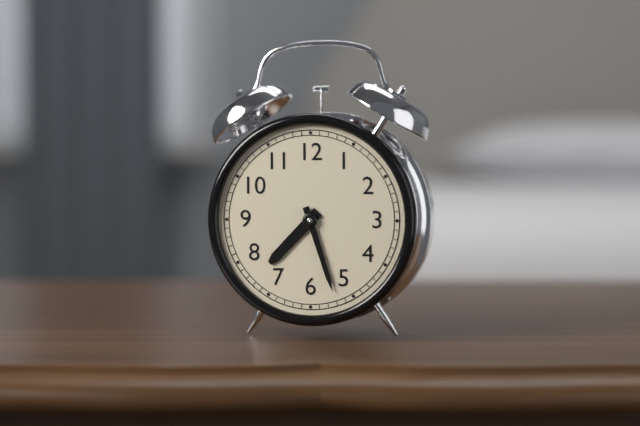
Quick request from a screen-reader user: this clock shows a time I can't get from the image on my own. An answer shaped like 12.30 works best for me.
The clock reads 7.27
